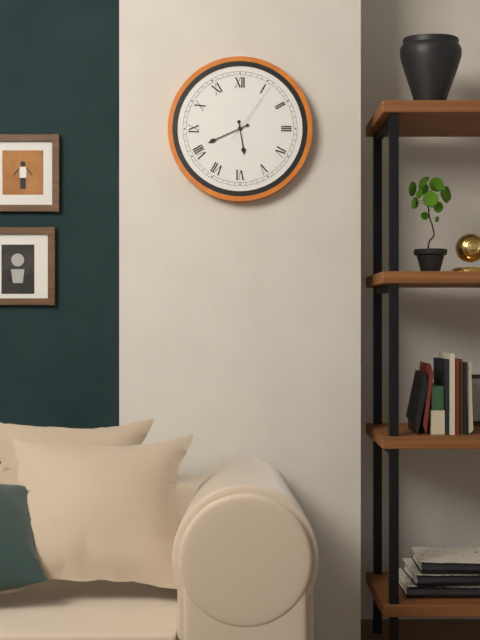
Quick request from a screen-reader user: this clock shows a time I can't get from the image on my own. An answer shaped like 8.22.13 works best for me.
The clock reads 5.41.06
